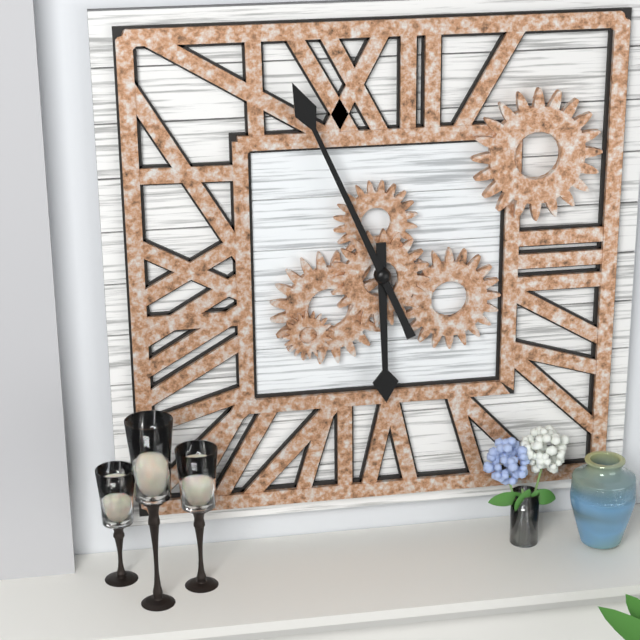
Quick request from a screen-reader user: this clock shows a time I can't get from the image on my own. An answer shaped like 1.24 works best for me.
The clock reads 5.56
